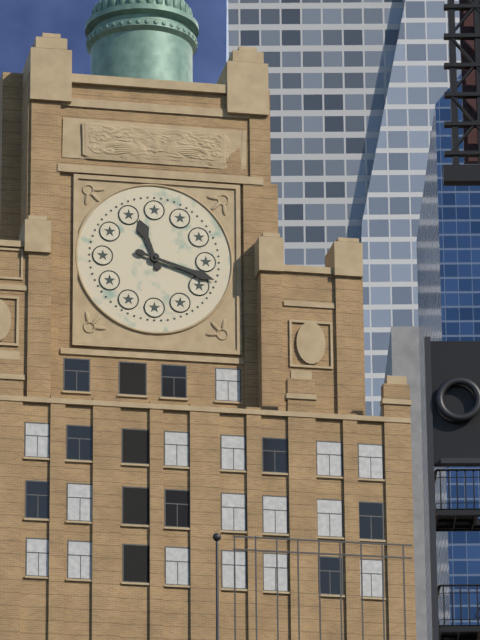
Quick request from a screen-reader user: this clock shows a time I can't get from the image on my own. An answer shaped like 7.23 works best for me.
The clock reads 11.18
